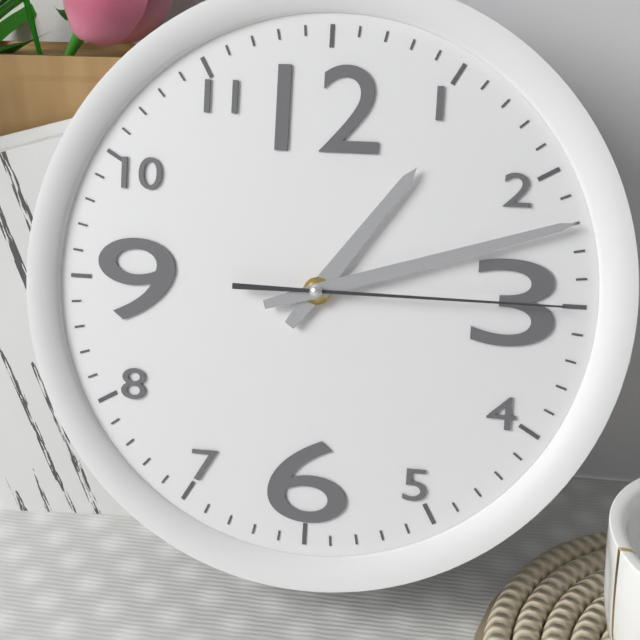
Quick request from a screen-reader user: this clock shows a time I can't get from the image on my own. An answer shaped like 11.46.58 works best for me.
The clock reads 1.12.15
